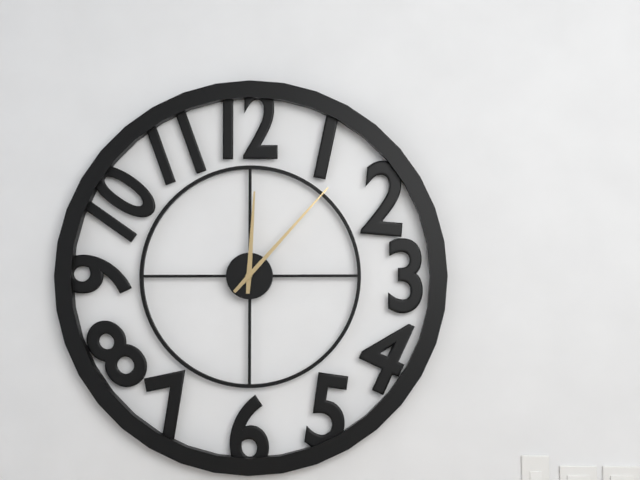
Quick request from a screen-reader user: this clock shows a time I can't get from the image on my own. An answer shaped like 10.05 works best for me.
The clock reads 12.07
